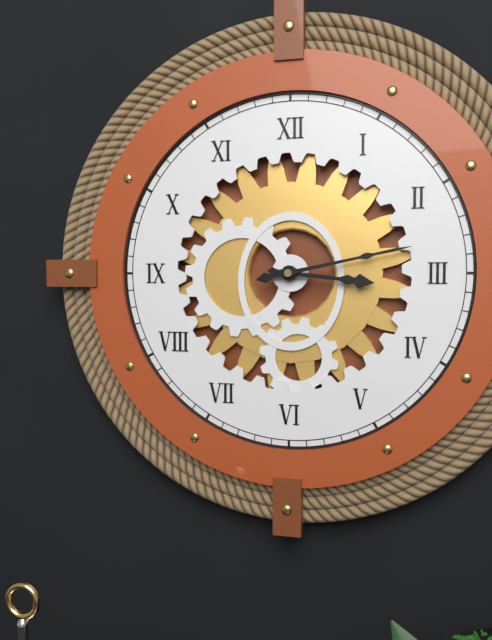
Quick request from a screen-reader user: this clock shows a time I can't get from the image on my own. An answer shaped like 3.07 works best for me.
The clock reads 3.13
